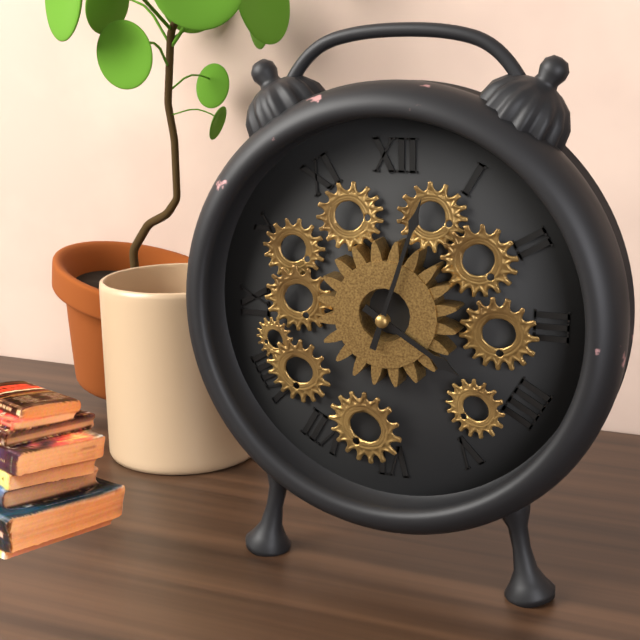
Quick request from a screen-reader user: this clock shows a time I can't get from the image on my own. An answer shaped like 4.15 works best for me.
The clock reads 4.03
